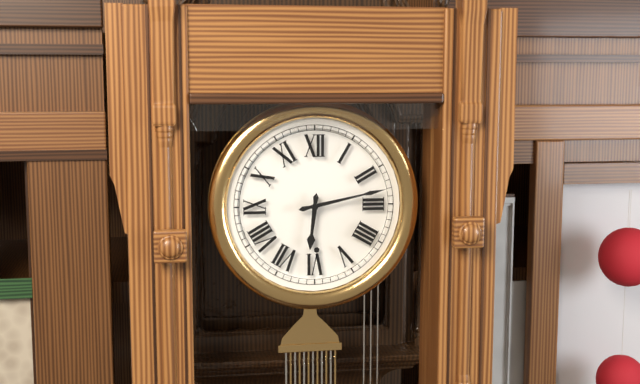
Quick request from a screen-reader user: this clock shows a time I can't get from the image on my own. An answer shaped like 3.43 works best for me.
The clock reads 6.13
